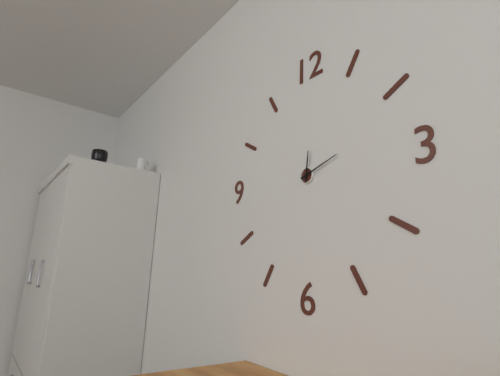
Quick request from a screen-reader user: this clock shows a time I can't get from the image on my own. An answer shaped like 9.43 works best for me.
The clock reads 12.12
